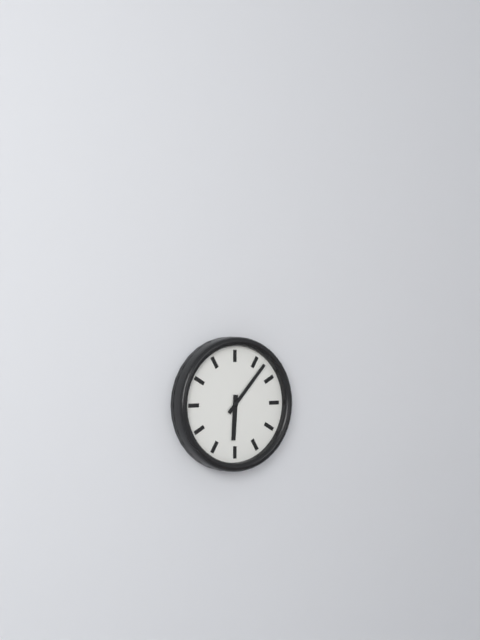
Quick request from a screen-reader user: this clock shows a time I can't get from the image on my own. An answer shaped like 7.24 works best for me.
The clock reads 6.07
